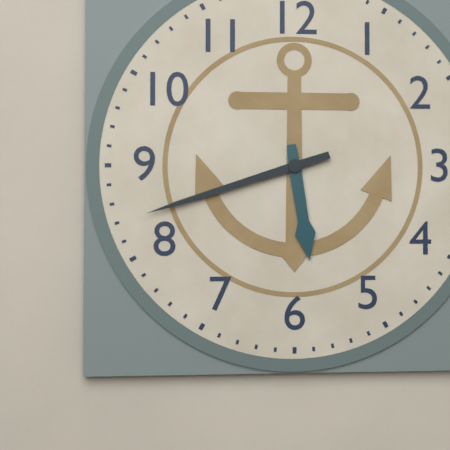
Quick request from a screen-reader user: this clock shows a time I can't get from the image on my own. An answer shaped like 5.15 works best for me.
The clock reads 5.42
